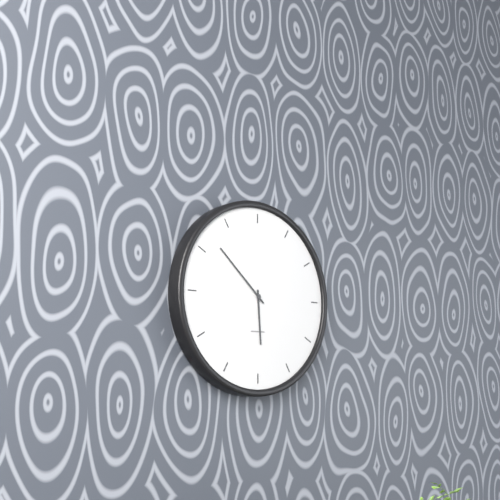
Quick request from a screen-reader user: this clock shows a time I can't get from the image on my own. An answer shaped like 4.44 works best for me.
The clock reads 5.52
